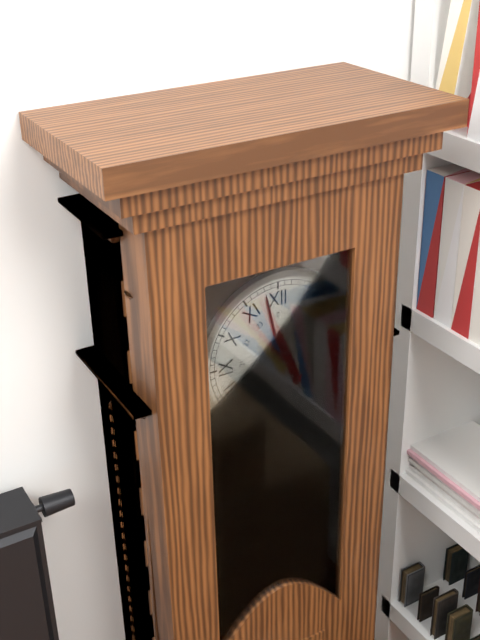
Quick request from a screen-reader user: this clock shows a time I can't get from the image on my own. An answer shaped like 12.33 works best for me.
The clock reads 7.58
